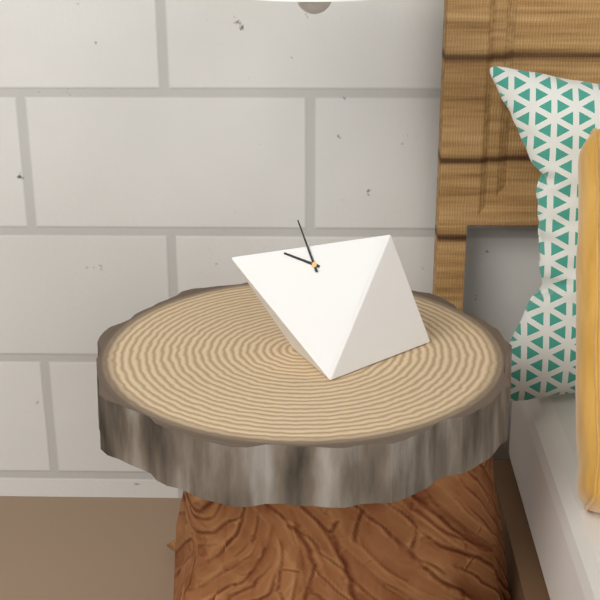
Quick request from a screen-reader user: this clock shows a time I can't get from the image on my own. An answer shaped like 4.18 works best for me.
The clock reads 9.58
